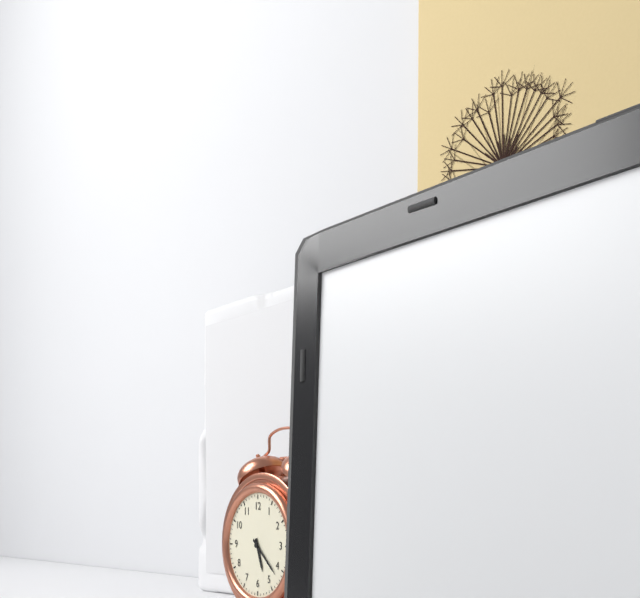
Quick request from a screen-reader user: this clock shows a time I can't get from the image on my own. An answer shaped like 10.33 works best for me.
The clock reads 5.22
